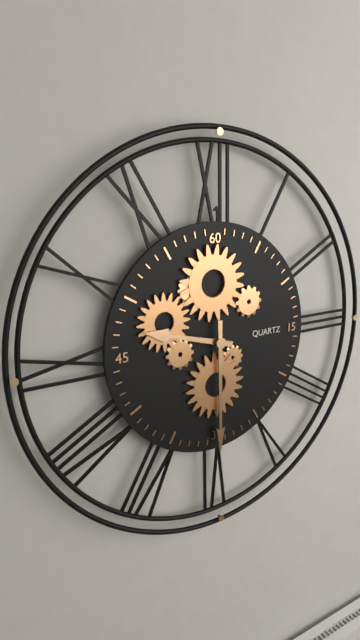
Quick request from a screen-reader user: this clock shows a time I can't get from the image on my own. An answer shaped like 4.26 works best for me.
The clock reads 9.30
